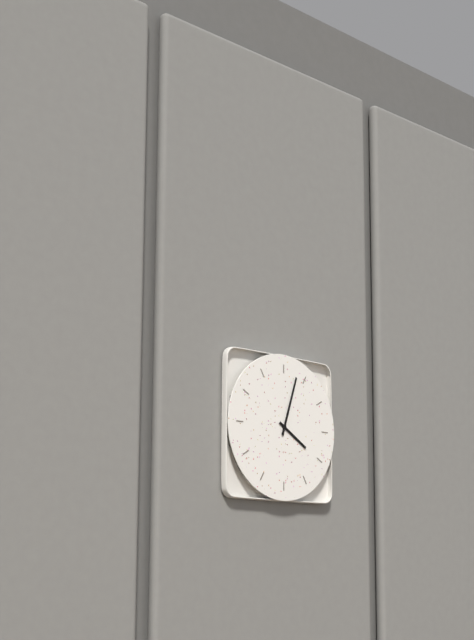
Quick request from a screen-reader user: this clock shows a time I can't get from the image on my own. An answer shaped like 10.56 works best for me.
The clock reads 4.03
